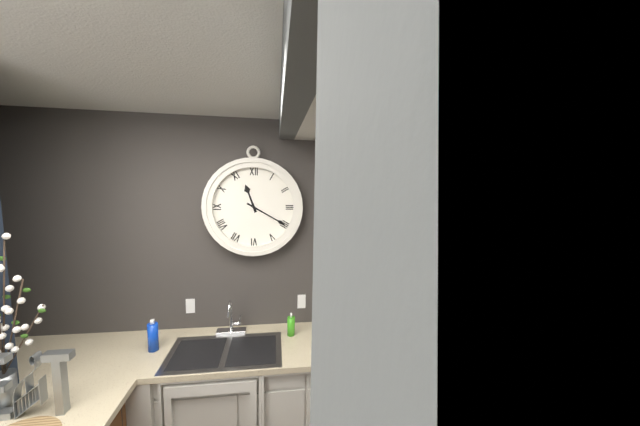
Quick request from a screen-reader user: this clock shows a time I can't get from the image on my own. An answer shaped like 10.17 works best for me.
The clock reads 11.20
